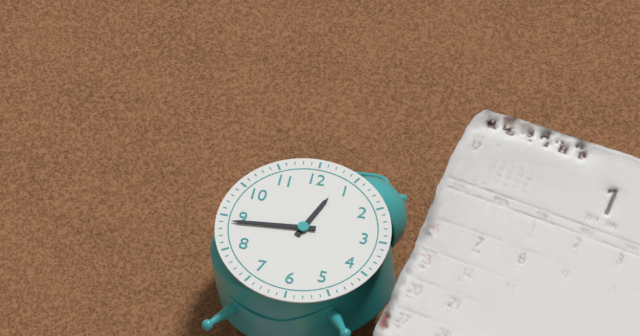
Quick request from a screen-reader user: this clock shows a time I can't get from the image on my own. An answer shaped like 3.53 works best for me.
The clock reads 12.44
